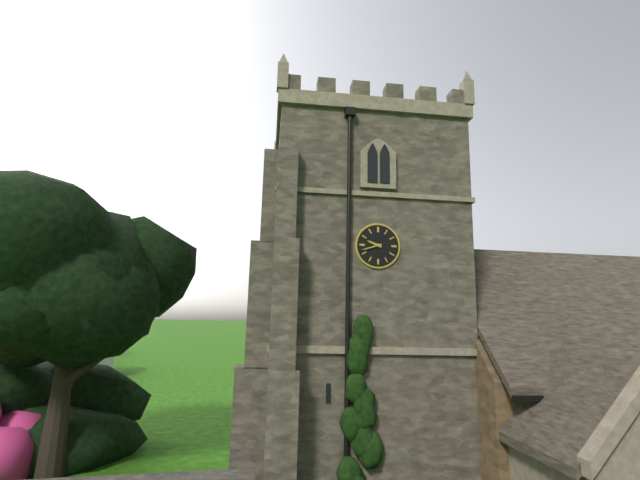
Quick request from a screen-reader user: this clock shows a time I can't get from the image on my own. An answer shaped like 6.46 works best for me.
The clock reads 9.42
